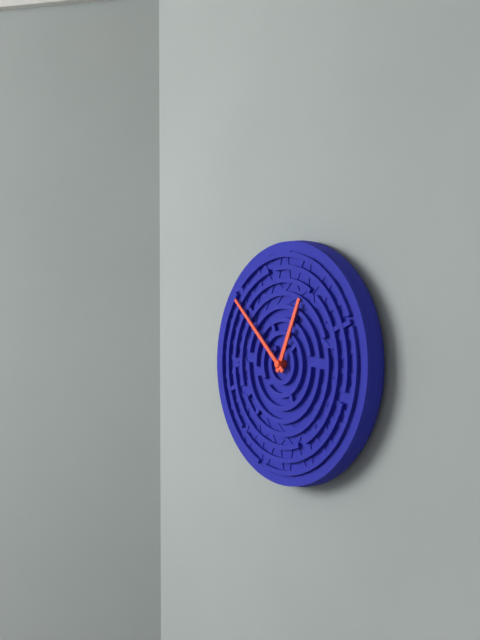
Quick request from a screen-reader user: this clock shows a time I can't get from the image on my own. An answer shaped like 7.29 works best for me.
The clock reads 12.52
